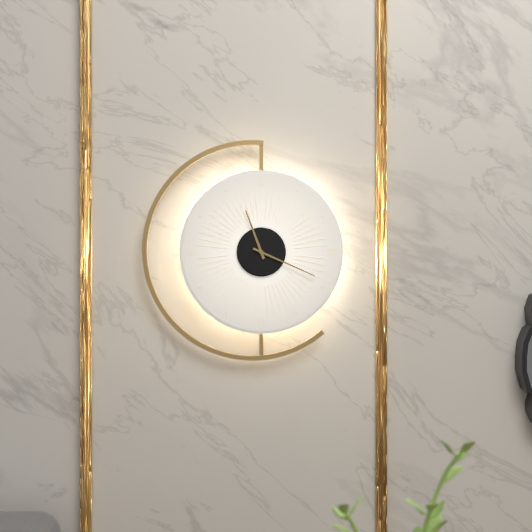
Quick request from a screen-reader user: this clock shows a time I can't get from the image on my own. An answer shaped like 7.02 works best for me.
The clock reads 11.19
